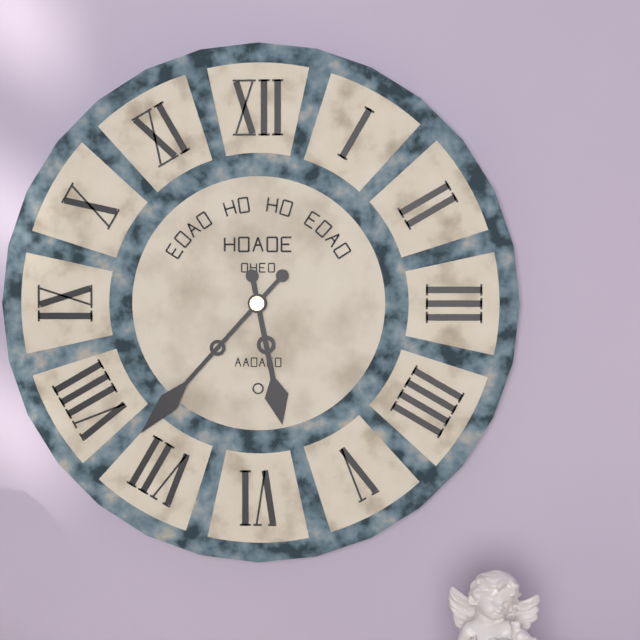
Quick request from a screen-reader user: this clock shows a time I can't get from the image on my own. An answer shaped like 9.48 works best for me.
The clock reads 5.37
